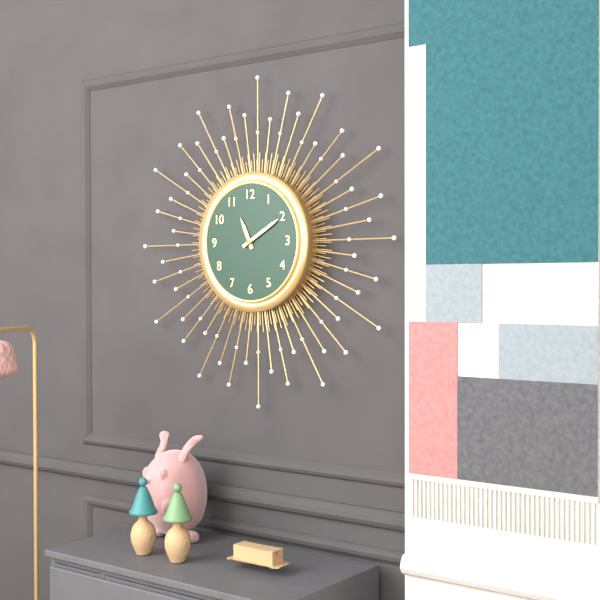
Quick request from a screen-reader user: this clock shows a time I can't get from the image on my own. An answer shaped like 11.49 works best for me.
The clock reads 11.10
